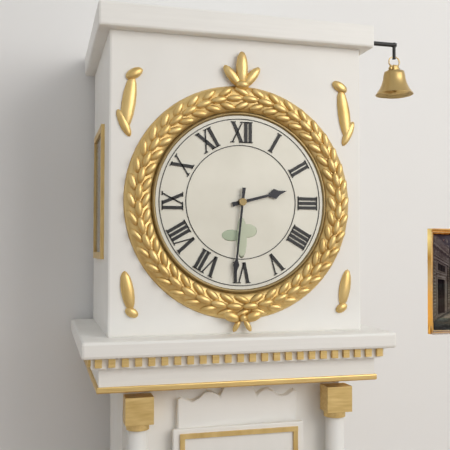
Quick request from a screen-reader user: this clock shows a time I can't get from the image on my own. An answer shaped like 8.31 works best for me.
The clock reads 2.31
